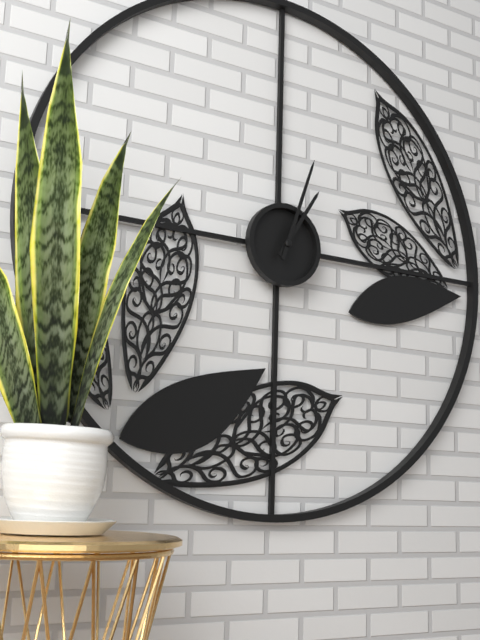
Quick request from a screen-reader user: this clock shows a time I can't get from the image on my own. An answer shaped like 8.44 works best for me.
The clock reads 1.03
